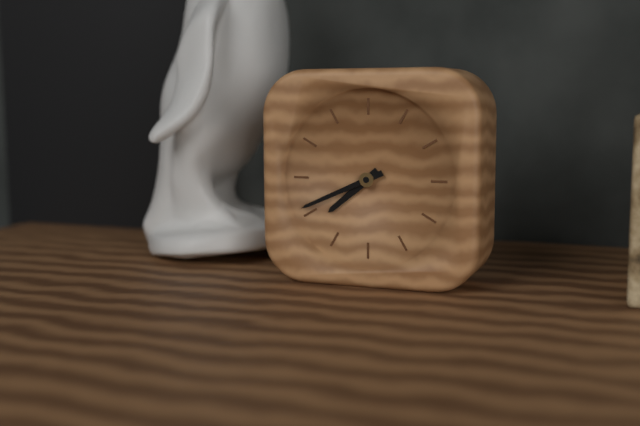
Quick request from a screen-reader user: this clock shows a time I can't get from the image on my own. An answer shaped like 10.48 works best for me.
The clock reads 7.41
